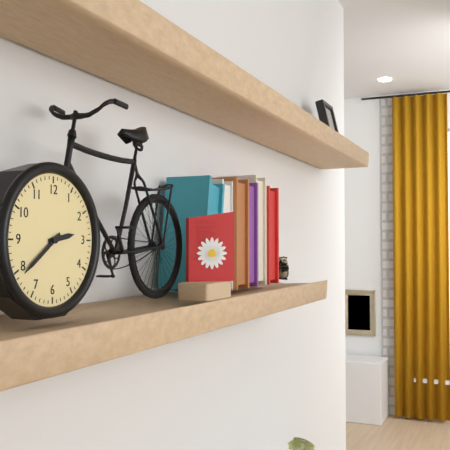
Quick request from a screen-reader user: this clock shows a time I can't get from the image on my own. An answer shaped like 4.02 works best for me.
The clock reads 2.39
